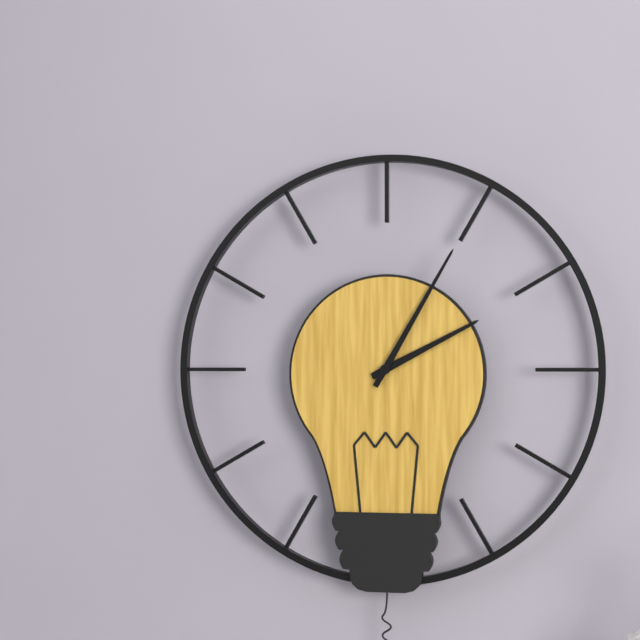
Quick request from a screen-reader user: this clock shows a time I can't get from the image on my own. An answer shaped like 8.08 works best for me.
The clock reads 2.05
